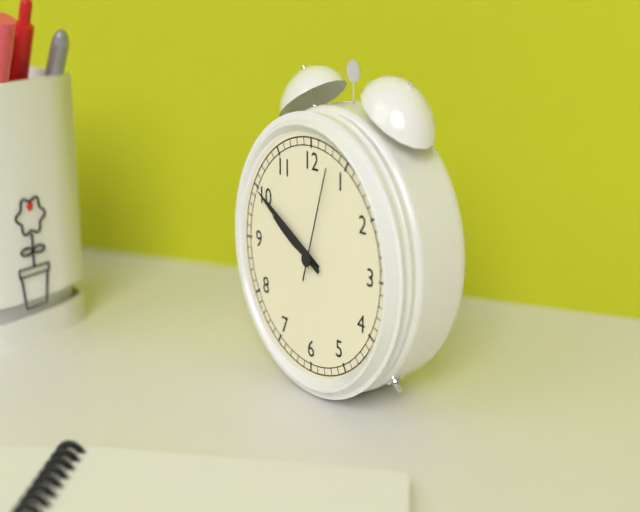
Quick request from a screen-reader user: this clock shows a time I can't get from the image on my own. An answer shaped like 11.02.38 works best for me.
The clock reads 9.50.03
